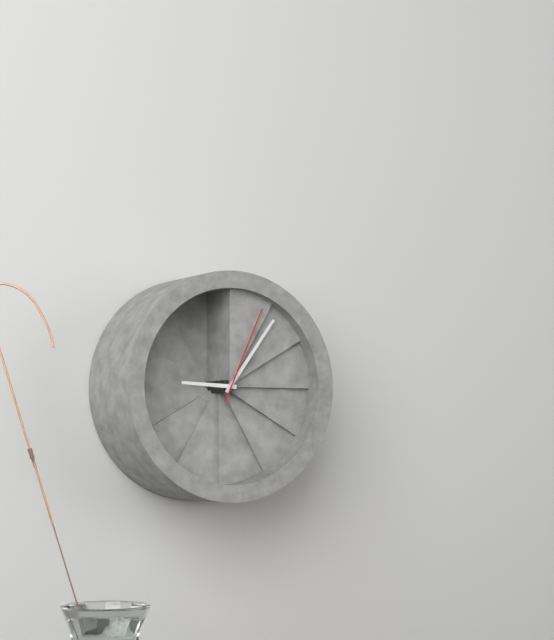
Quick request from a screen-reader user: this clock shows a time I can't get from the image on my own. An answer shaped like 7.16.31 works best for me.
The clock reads 9.06.04
